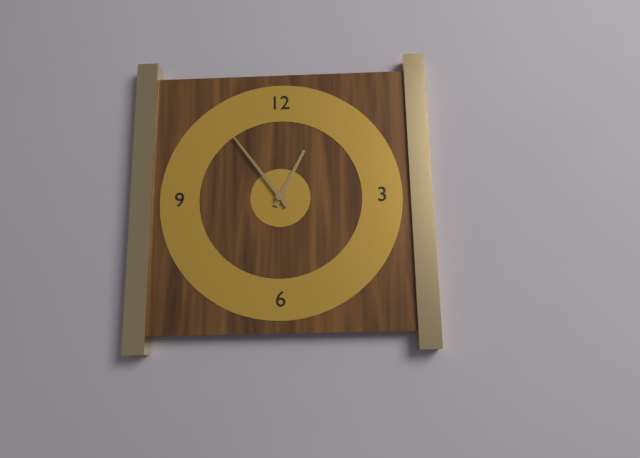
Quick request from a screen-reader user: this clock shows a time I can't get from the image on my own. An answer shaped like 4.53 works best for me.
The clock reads 12.54
